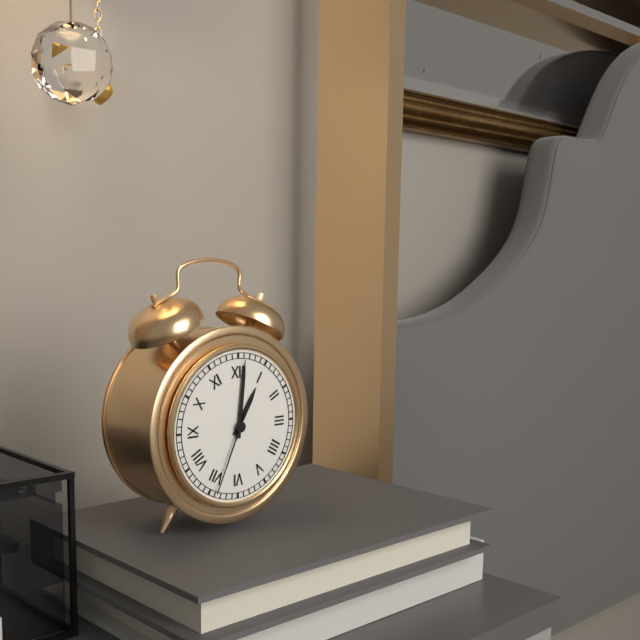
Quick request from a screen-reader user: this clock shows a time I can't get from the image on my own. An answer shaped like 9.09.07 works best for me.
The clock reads 1.01.34
